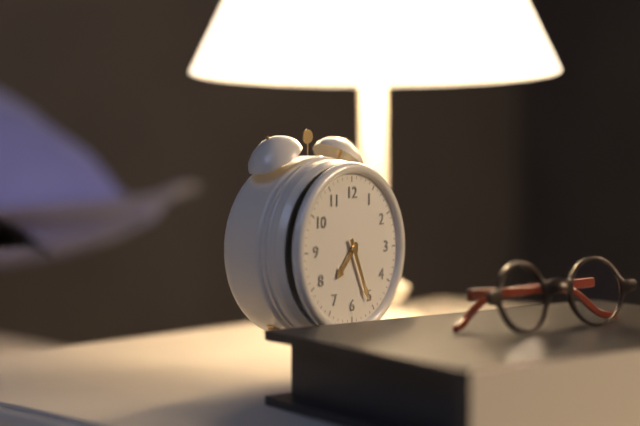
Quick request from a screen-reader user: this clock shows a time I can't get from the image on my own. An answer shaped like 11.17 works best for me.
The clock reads 7.26
